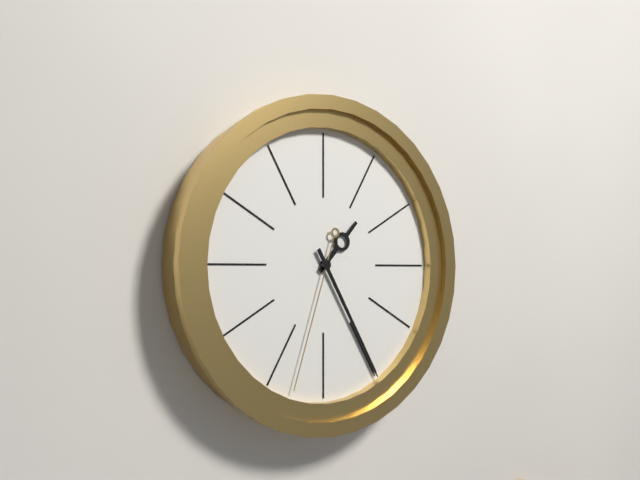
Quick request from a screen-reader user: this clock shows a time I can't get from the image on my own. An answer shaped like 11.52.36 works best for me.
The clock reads 1.25.33
